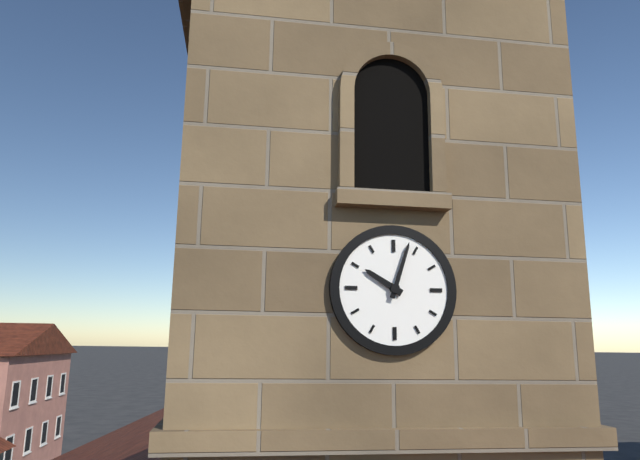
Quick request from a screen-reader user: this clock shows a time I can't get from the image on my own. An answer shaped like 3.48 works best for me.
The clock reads 10.03
